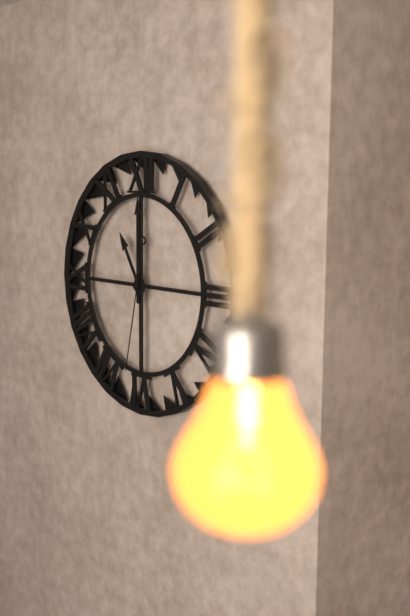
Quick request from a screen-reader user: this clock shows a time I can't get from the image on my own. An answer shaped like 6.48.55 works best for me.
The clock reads 11.00.32
